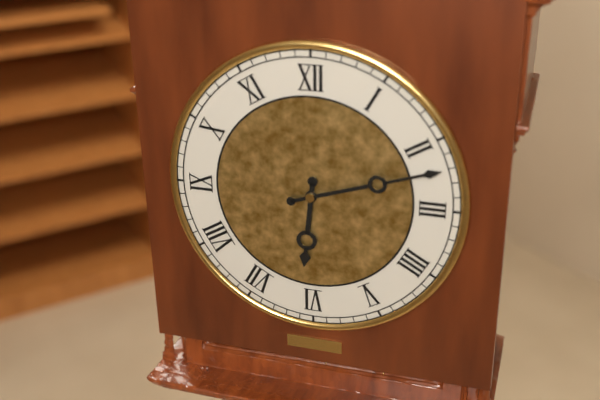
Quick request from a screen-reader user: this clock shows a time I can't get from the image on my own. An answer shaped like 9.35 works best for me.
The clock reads 6.12
